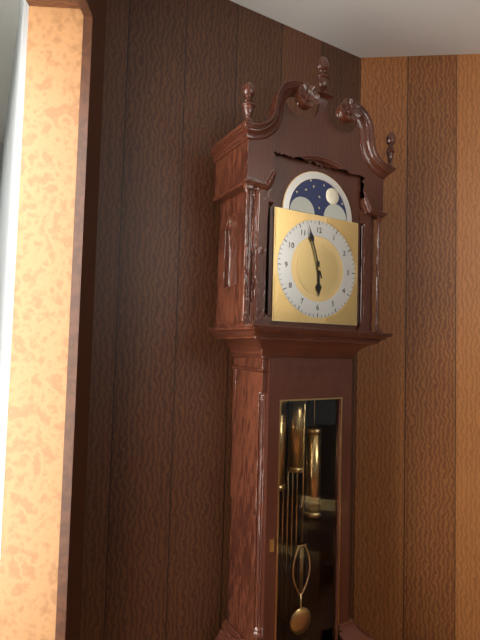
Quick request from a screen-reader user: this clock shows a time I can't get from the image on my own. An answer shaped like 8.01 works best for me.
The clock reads 5.57
